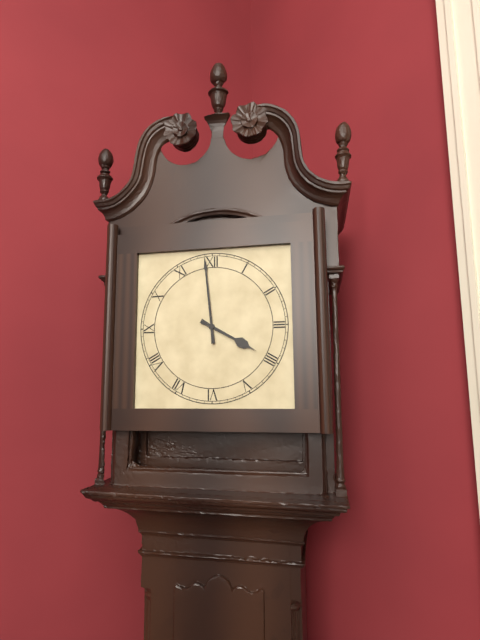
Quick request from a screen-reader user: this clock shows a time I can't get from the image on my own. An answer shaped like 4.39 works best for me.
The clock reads 3.59
